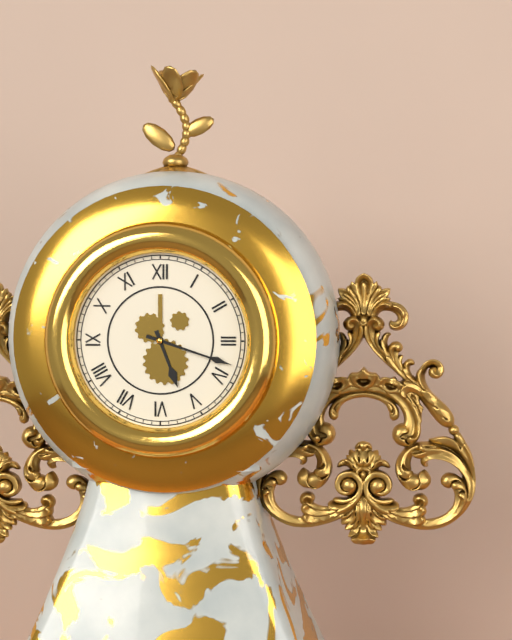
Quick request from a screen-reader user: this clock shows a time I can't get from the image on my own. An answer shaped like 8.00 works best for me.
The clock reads 5.18
